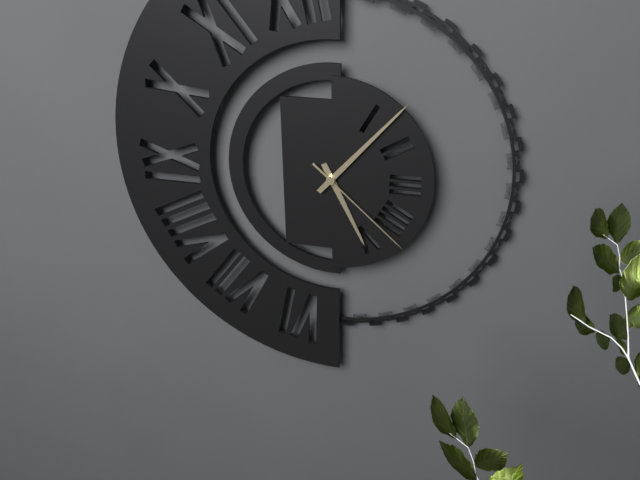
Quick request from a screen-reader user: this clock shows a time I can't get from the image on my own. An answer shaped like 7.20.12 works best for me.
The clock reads 5.07.22
